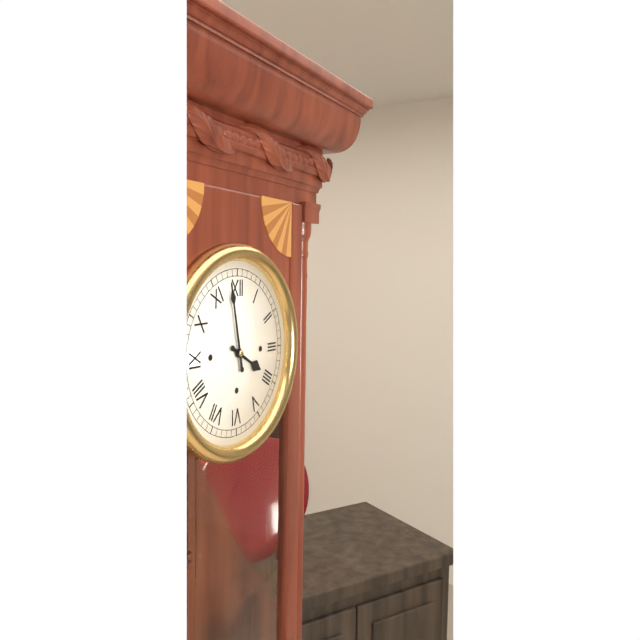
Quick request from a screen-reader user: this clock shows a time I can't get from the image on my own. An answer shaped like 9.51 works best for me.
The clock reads 3.58
